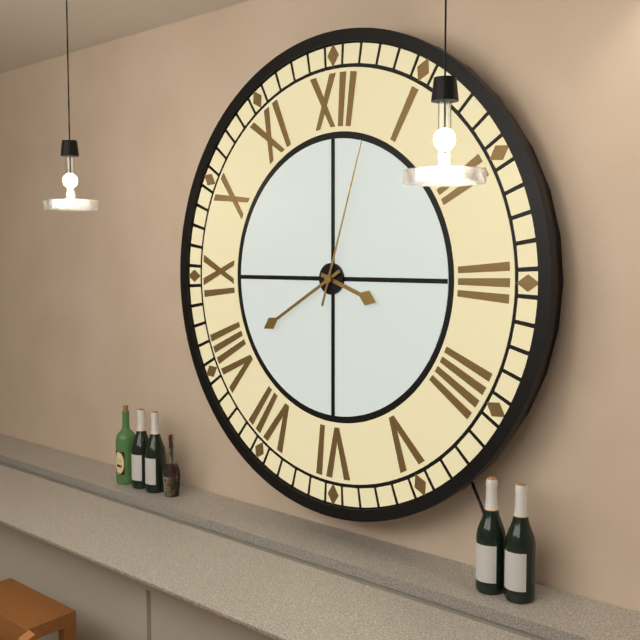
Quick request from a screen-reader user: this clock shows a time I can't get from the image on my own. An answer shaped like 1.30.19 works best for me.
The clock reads 3.40.03
